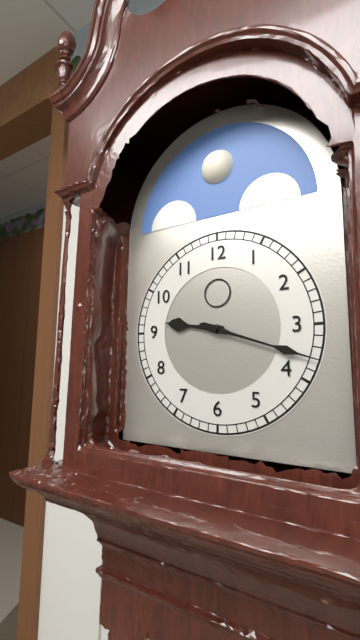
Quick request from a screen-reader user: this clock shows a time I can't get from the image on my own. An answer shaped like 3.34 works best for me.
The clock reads 9.18
